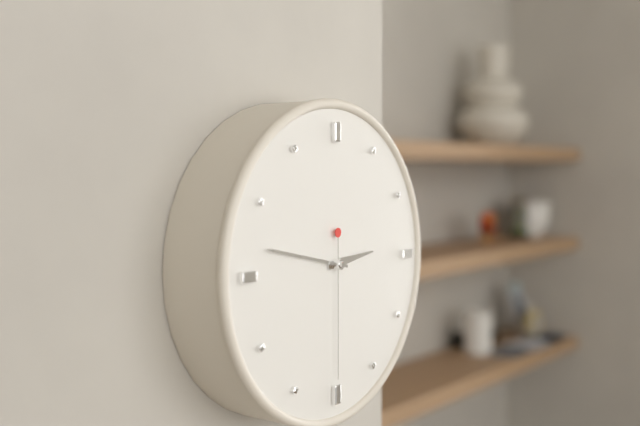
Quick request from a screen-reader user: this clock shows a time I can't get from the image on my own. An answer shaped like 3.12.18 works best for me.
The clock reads 2.47.30
